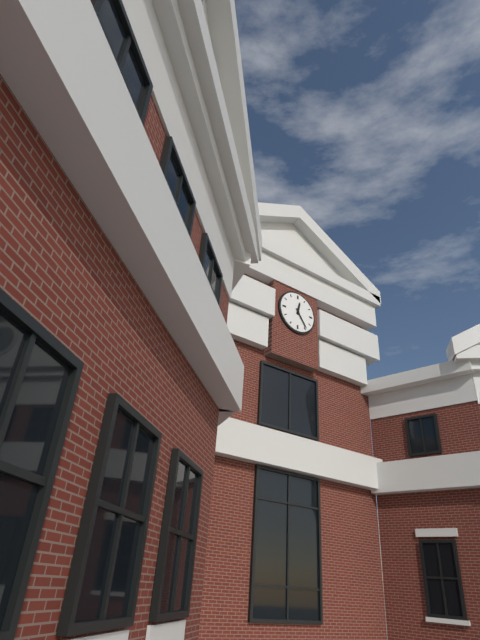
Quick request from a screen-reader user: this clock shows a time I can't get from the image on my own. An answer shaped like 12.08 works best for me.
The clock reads 12.24
